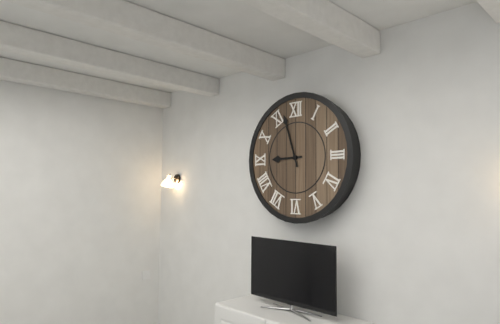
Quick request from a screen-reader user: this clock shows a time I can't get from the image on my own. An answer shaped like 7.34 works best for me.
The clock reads 8.57
